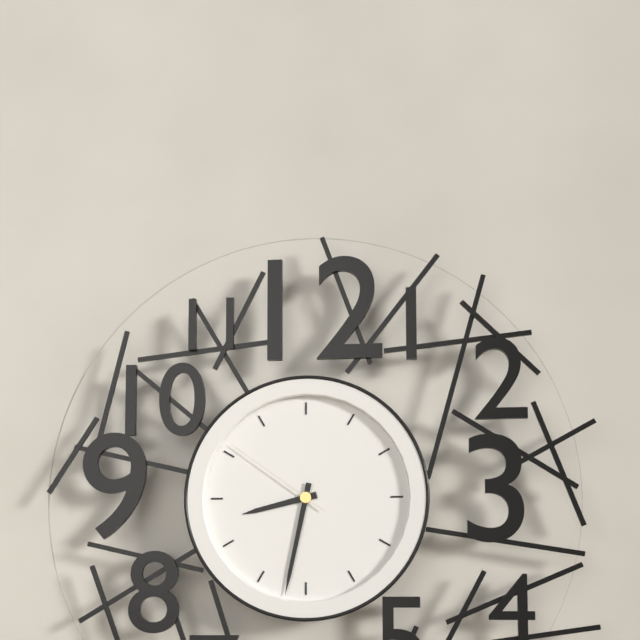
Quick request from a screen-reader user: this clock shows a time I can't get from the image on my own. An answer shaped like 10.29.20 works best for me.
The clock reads 8.32.51
